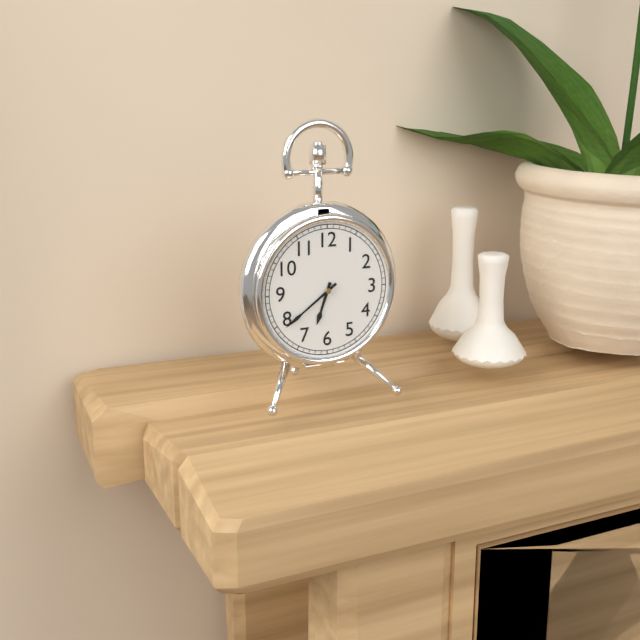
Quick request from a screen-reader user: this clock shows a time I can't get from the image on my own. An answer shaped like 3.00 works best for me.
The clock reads 6.39
